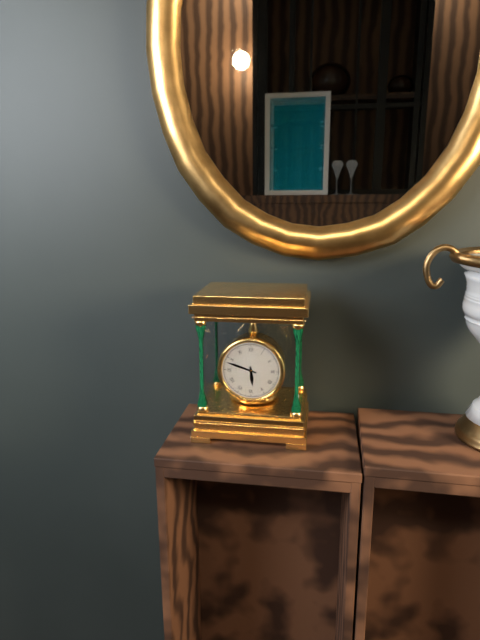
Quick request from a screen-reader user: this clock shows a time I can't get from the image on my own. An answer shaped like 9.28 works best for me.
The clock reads 5.48
